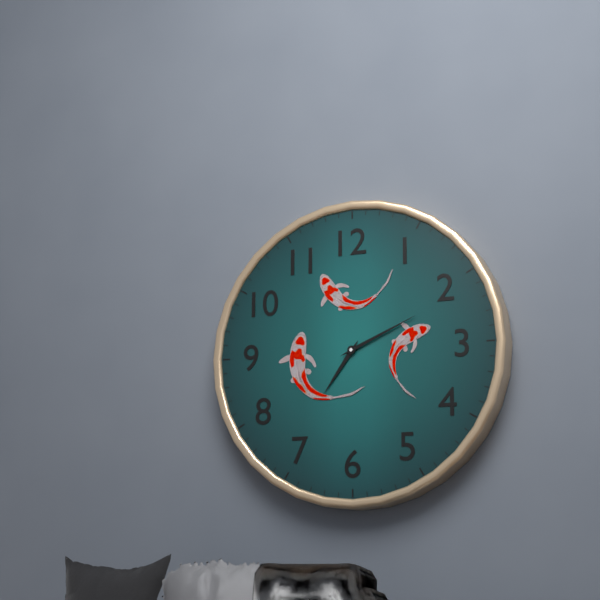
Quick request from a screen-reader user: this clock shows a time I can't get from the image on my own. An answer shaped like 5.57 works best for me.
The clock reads 7.11
